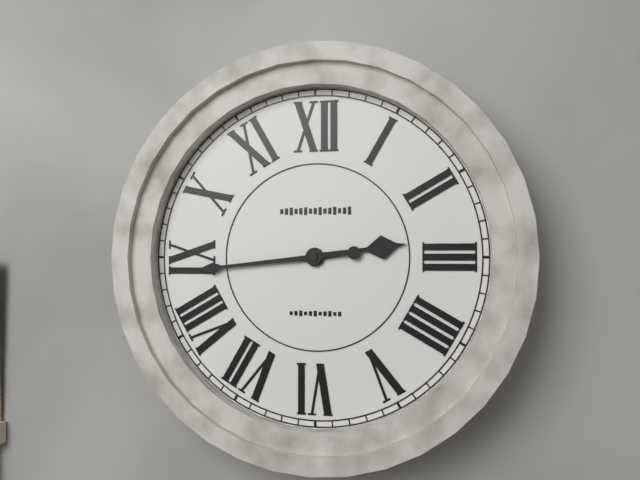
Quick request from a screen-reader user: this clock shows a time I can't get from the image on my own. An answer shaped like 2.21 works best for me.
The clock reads 2.44
